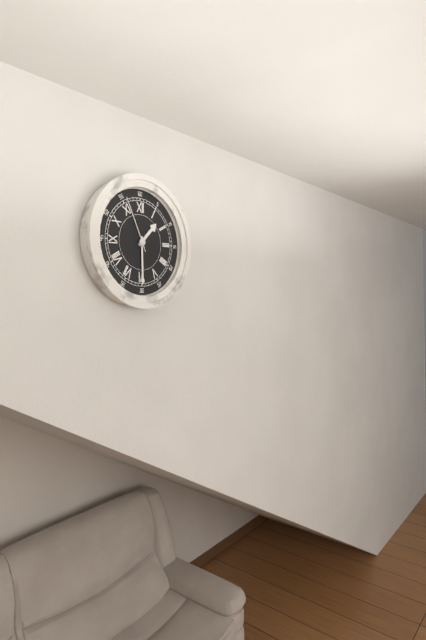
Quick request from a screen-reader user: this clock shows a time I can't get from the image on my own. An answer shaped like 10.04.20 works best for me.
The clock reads 1.30.56
